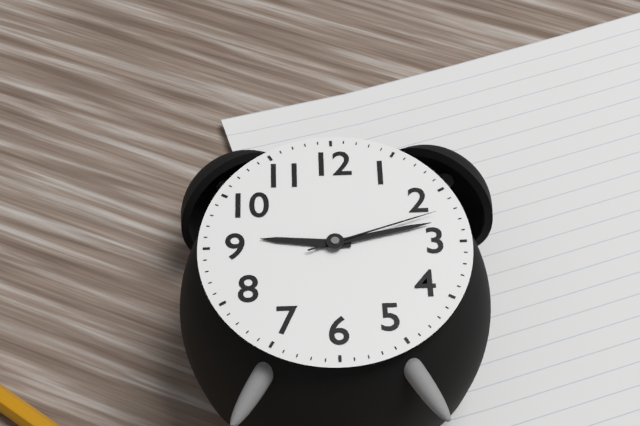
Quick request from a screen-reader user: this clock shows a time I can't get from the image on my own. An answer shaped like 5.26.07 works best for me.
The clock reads 9.13.12
